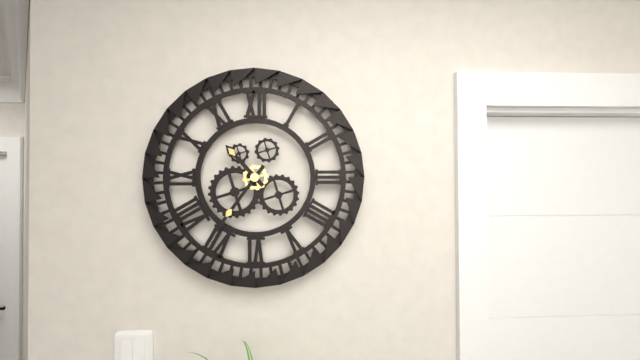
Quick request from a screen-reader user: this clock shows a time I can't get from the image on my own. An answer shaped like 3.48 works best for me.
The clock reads 10.36
